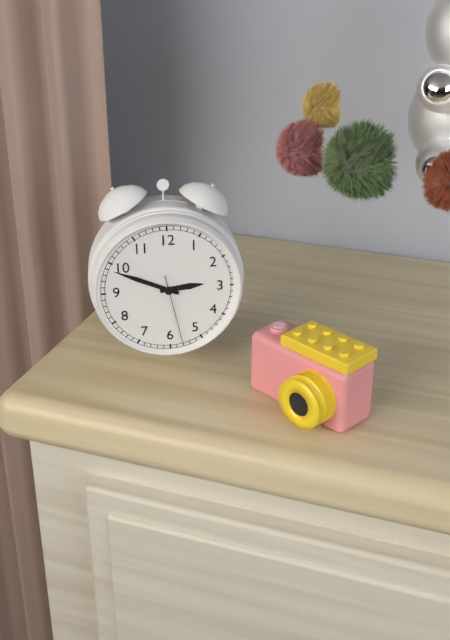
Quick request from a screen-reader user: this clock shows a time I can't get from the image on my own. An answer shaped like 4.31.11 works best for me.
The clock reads 2.49.28
